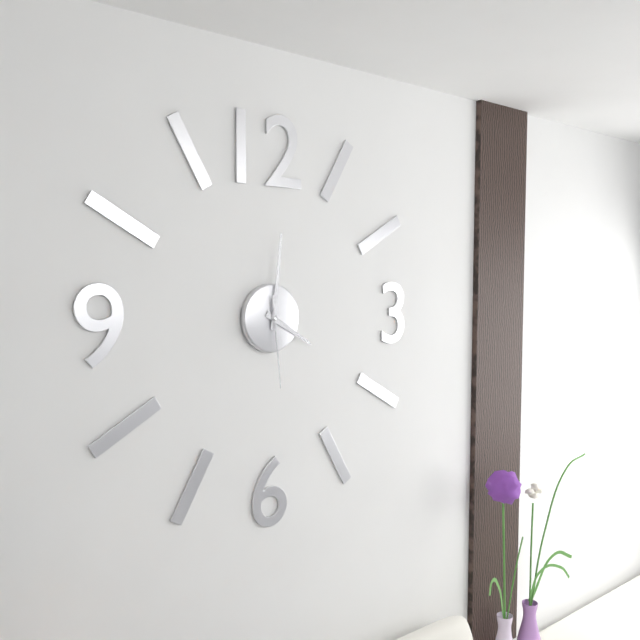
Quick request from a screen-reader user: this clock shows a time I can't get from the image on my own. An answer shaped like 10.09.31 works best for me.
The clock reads 4.01.29
